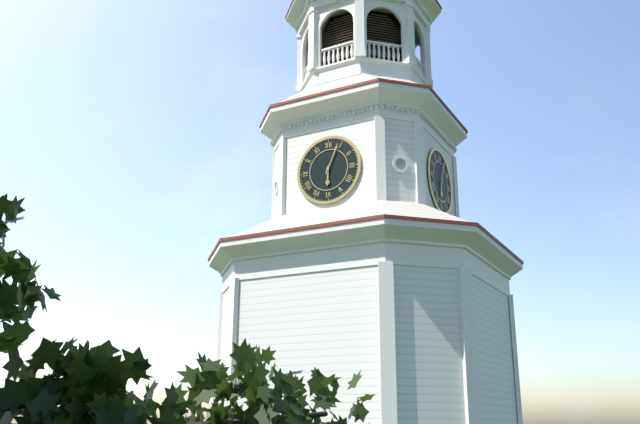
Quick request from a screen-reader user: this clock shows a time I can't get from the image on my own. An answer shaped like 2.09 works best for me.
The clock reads 6.04
